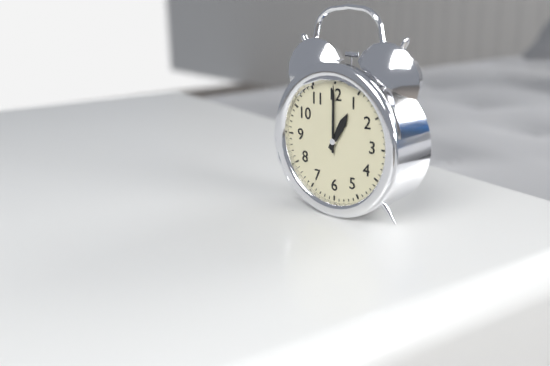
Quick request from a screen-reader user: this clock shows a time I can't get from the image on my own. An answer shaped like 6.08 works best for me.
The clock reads 1.00
